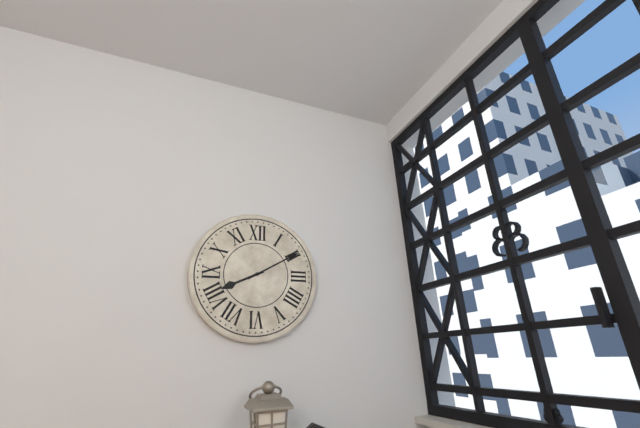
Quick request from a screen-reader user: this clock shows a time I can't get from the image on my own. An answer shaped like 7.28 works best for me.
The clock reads 8.10
